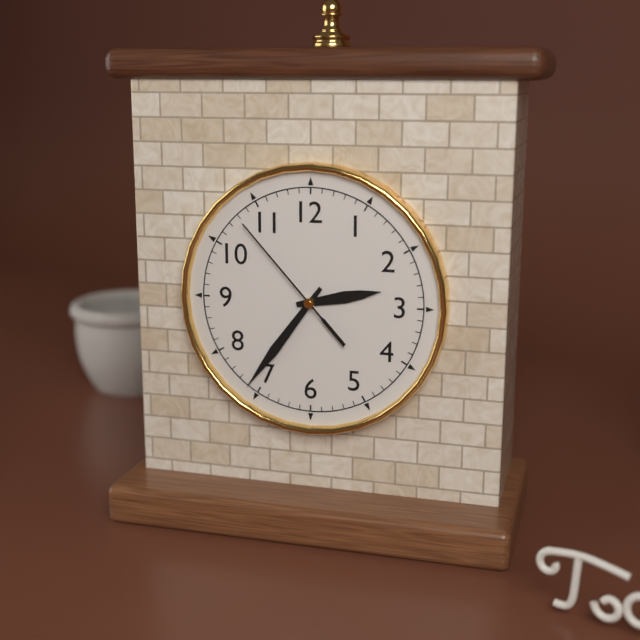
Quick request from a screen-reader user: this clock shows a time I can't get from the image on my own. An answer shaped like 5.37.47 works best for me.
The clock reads 2.36.53
